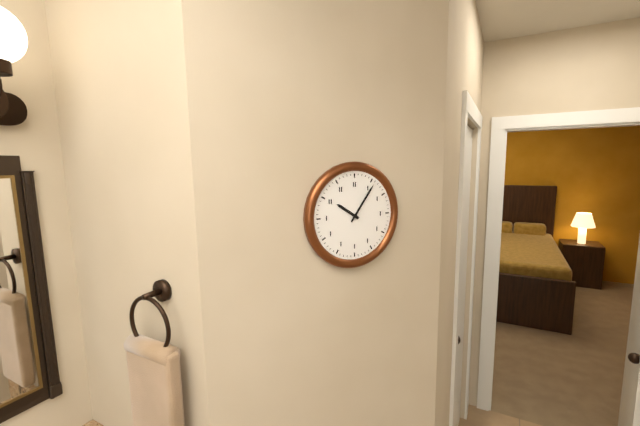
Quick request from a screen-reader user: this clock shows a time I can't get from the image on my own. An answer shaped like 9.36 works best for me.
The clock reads 10.06
